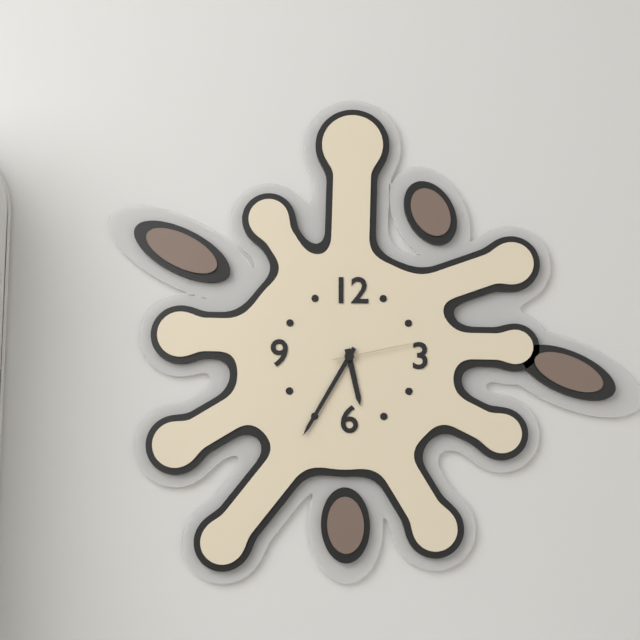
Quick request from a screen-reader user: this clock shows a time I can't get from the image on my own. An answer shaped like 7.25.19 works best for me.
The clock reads 5.35.13
